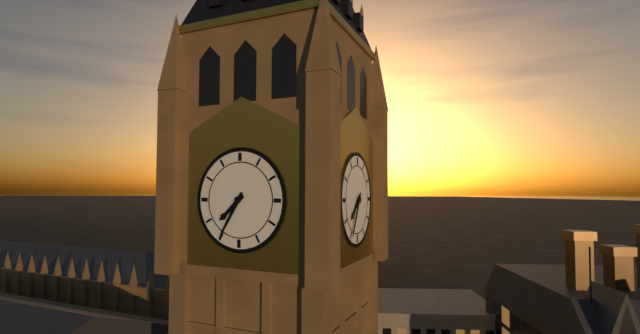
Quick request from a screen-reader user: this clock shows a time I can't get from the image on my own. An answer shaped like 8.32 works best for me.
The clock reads 7.35
